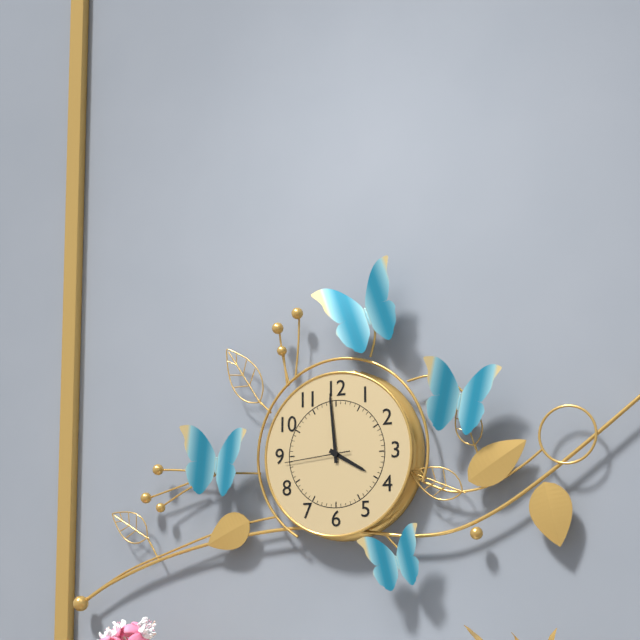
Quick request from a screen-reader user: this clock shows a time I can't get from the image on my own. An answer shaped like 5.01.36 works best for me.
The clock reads 3.59.44
